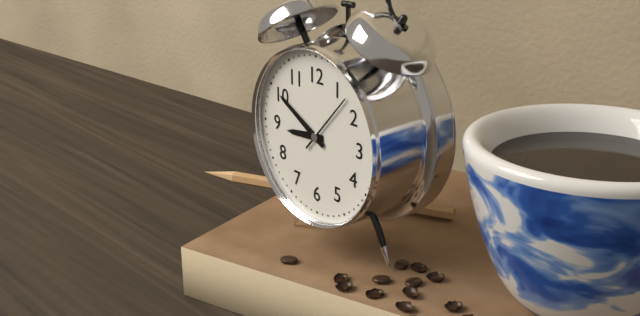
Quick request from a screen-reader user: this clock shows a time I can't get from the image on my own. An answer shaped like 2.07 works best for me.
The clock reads 8.50
